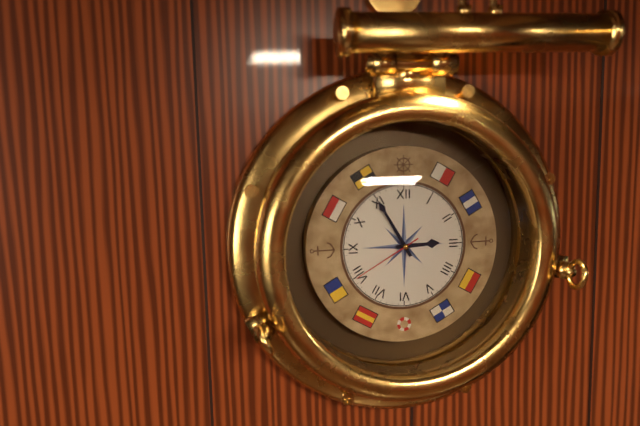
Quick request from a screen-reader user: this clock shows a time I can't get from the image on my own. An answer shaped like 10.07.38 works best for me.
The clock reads 2.55.40
